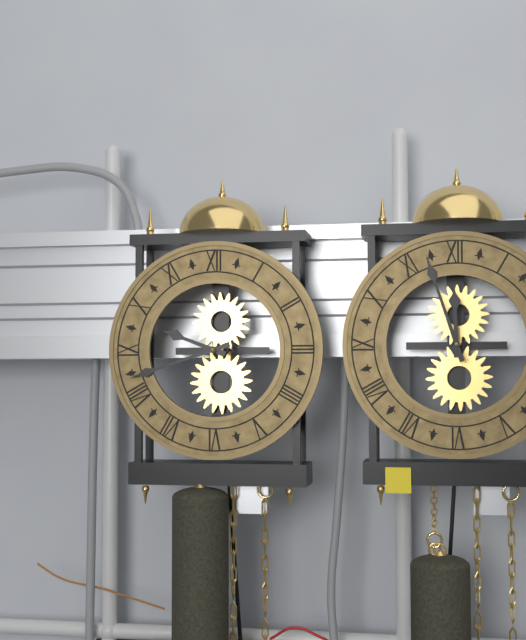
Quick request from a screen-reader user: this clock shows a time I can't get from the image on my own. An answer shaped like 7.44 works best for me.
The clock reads 9.42
